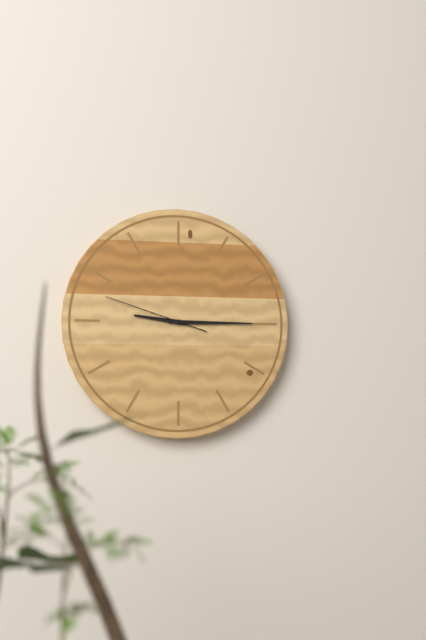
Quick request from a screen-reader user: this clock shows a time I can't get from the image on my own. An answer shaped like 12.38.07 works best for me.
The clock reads 9.15.48
